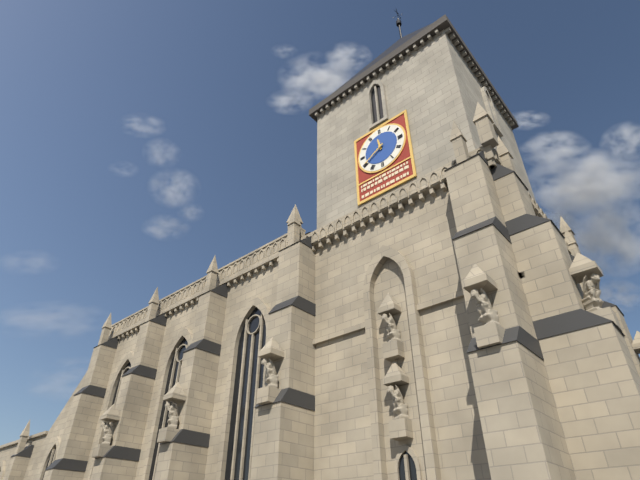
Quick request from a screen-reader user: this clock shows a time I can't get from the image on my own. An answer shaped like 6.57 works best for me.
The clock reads 11.40
